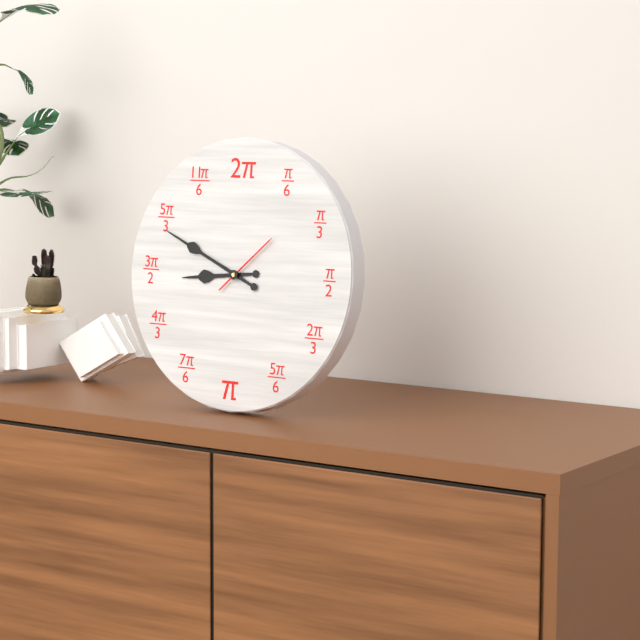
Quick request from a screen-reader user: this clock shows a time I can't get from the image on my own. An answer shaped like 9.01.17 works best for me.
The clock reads 8.49.08
